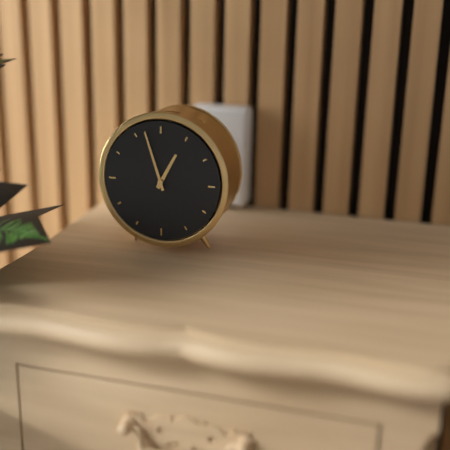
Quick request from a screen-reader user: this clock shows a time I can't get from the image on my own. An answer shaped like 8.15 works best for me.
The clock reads 12.57
